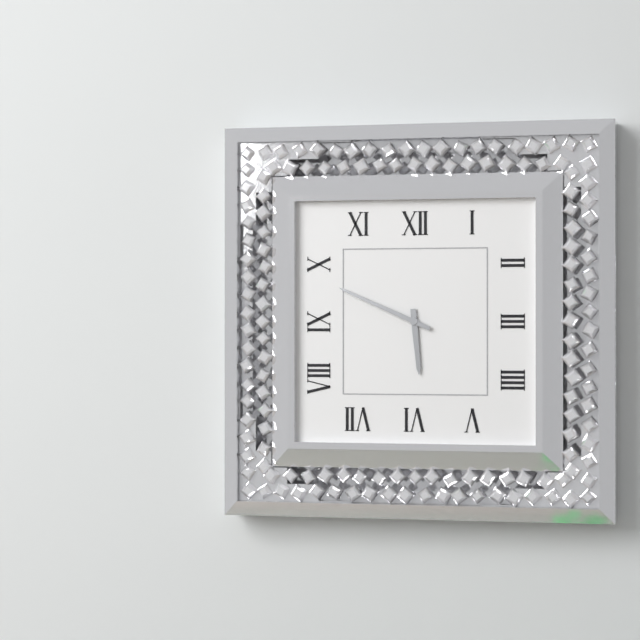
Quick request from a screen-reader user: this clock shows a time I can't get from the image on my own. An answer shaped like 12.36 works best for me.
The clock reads 5.49
